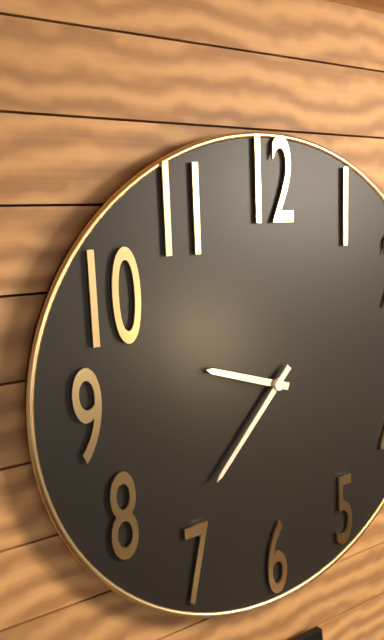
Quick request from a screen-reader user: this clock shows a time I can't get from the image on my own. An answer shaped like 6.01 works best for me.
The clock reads 9.37
